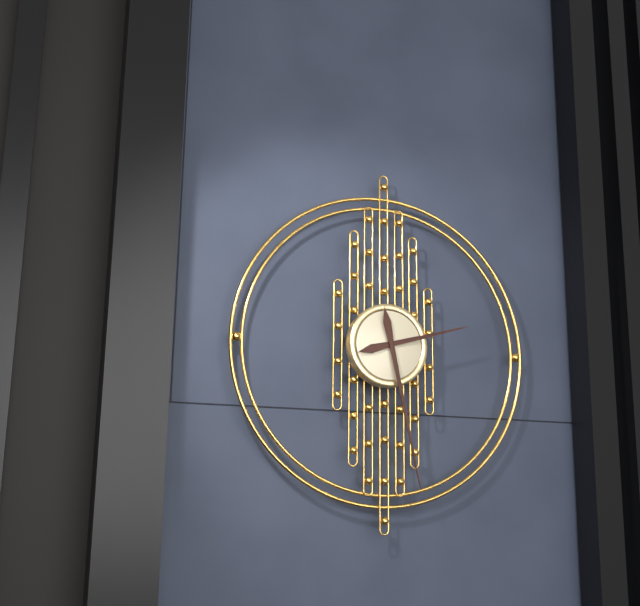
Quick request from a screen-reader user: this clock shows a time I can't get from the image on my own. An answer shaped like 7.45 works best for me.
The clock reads 2.28
